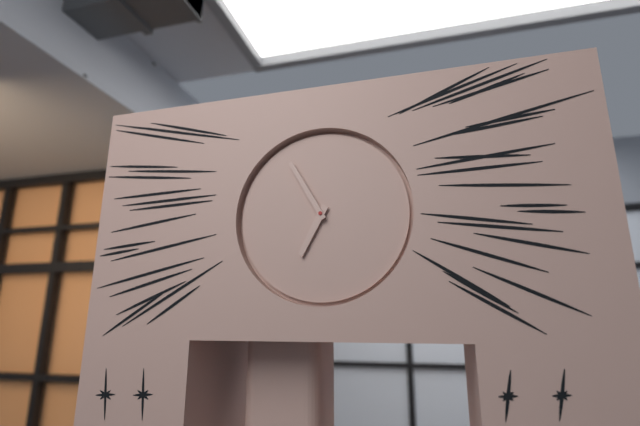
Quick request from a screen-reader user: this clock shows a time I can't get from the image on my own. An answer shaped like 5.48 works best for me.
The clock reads 6.55
